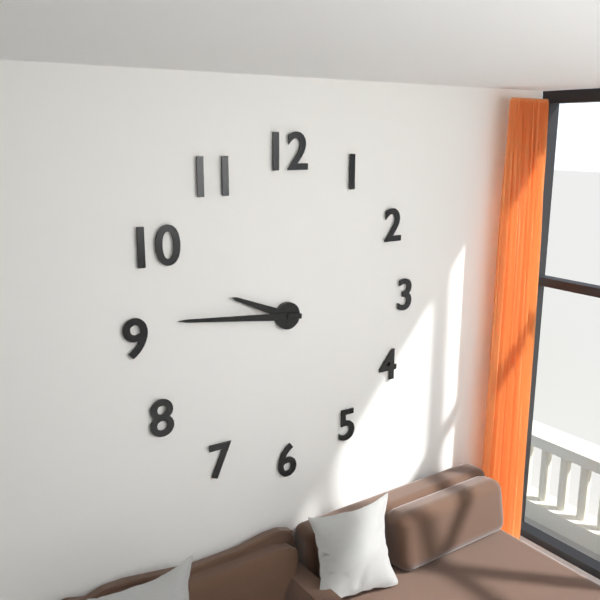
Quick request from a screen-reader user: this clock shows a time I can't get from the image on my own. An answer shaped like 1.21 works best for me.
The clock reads 9.46
